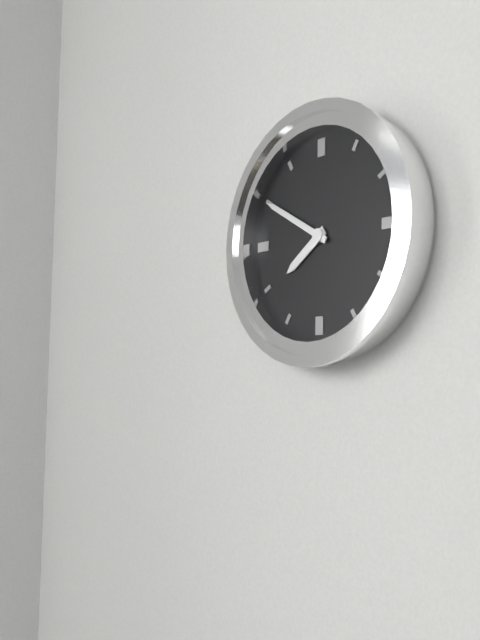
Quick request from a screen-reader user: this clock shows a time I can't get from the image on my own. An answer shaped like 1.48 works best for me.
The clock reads 7.50
